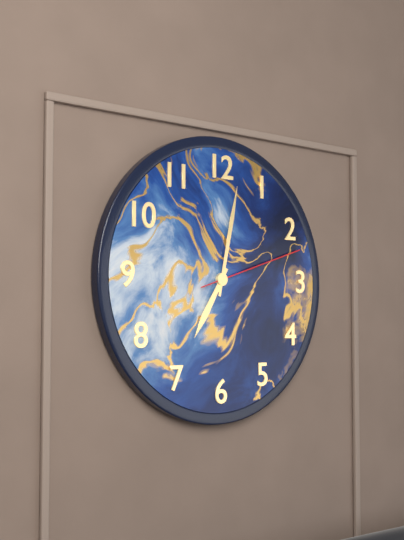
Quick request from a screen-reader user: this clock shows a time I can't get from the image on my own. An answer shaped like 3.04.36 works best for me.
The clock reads 7.02.12
